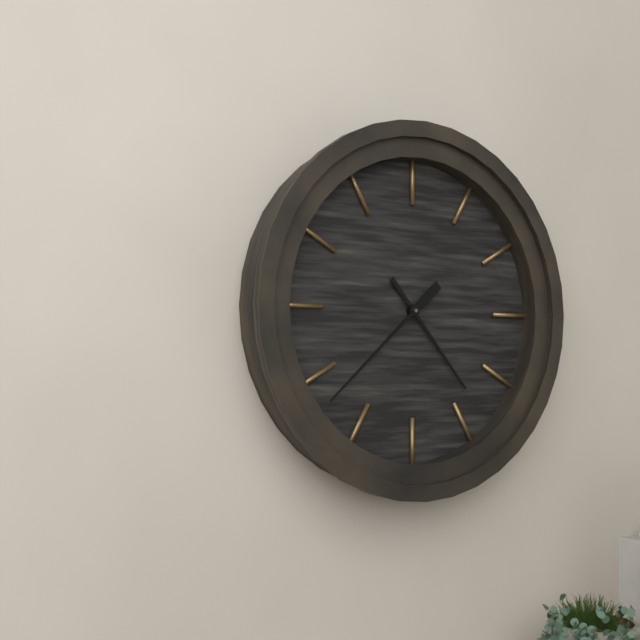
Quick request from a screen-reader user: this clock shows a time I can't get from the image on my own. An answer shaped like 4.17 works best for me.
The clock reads 4.38
